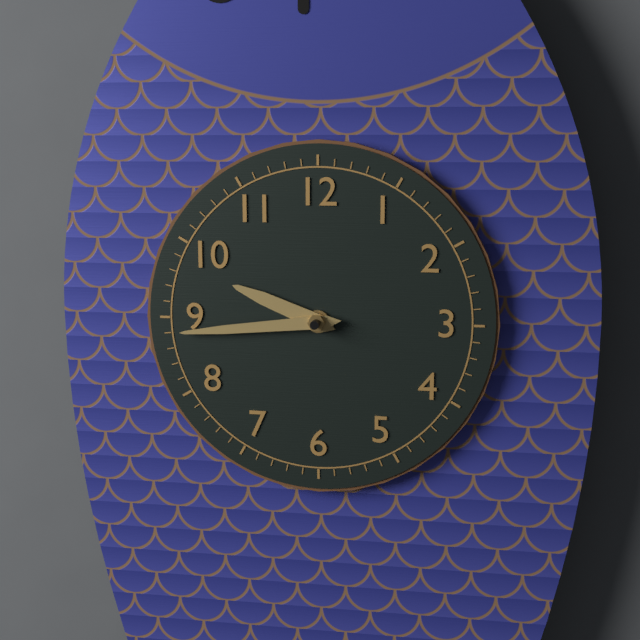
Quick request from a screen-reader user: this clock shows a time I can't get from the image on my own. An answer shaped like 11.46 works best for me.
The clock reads 9.44
